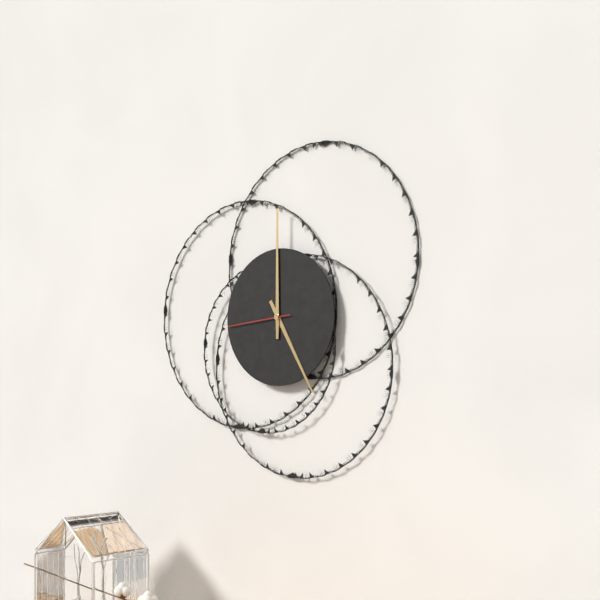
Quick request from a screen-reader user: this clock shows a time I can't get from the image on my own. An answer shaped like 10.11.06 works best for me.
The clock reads 5.00.44
